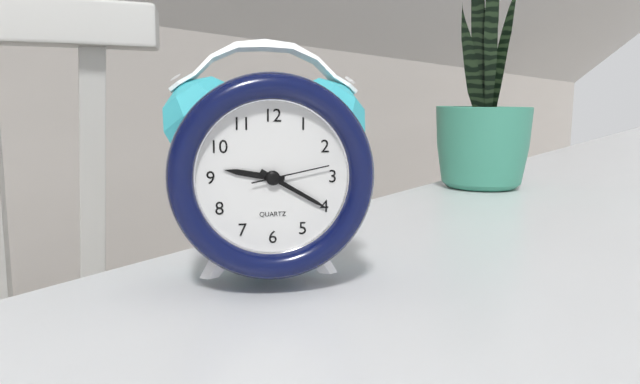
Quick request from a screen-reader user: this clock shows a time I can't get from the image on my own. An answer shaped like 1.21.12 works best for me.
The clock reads 9.20.13
